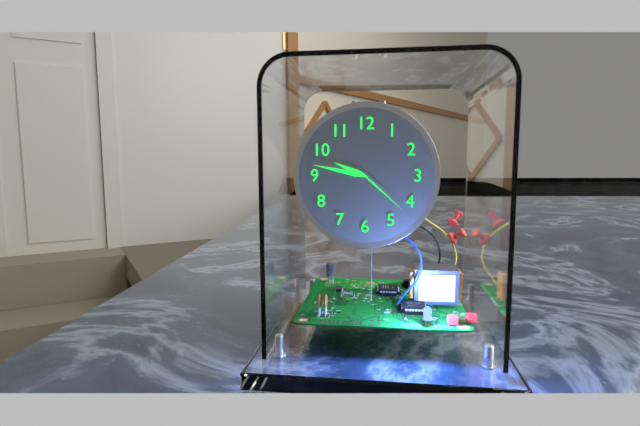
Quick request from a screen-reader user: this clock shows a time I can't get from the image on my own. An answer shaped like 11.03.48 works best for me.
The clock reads 9.47.22
